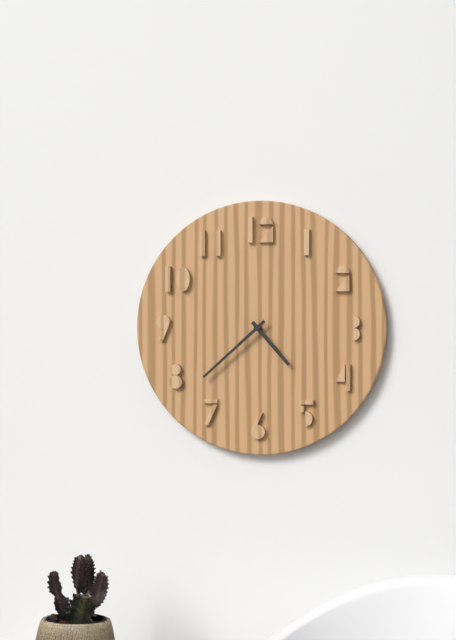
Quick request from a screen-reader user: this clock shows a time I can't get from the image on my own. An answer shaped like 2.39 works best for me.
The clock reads 4.38
